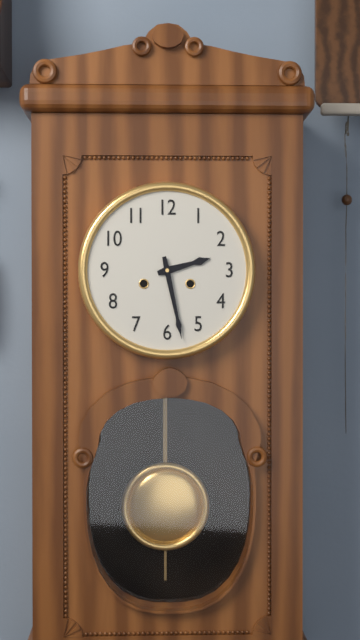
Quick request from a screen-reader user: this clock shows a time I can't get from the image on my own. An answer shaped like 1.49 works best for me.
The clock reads 2.28
